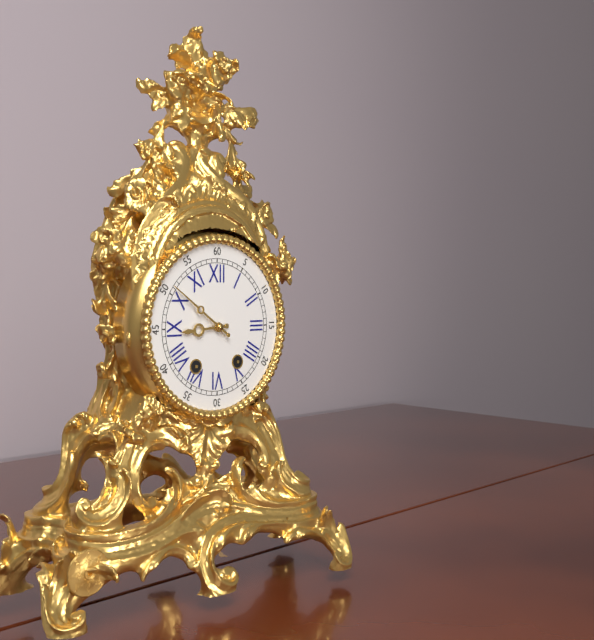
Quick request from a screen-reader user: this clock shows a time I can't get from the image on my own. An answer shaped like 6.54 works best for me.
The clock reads 8.51
